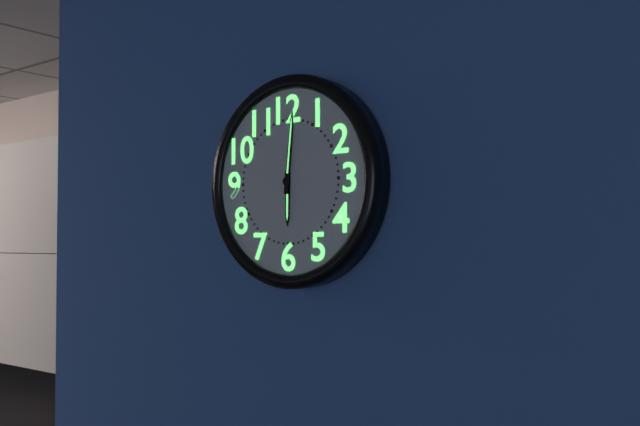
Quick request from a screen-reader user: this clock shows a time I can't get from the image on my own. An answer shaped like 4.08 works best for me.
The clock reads 6.01
